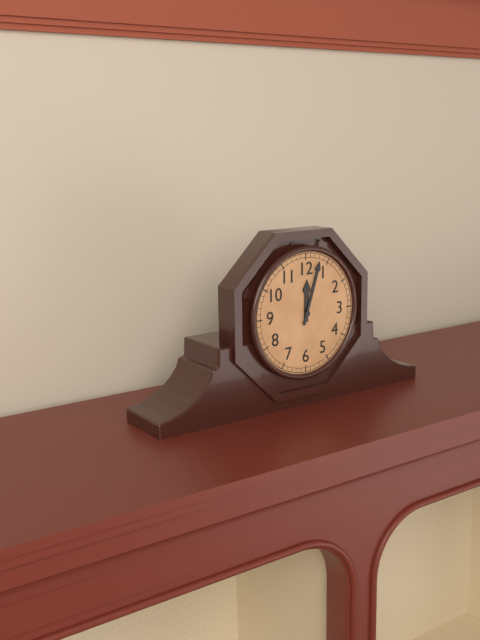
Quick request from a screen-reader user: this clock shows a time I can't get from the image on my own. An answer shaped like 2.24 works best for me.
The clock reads 12.03
